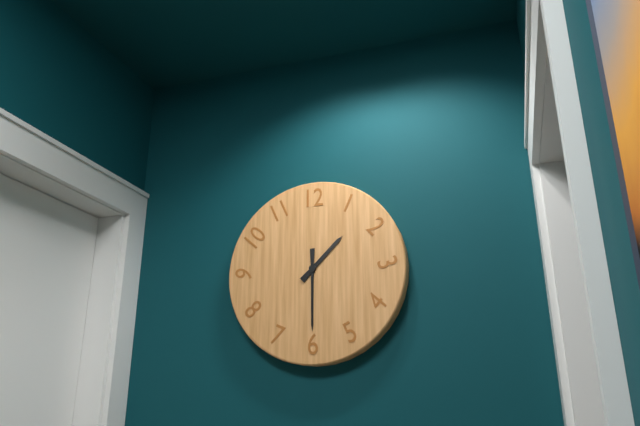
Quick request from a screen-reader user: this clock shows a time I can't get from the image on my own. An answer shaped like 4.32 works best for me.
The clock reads 1.30
